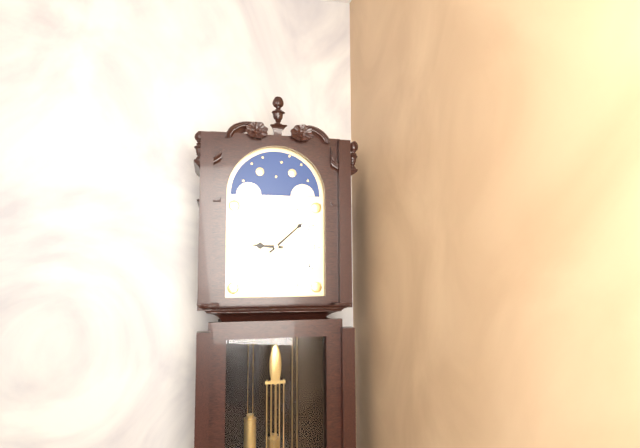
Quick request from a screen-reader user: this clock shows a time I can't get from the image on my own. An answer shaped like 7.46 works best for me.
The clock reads 9.08
